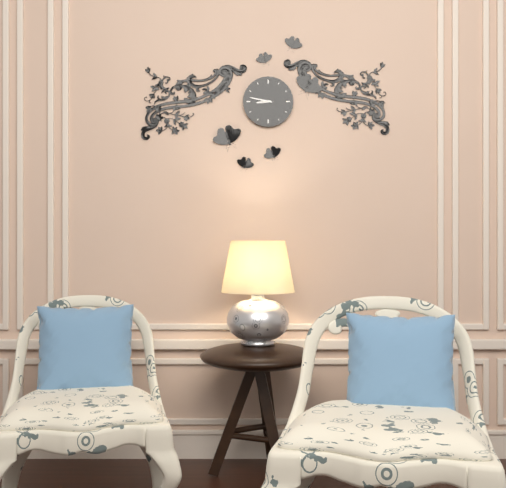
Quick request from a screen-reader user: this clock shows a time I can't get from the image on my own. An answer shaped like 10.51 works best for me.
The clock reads 8.47
